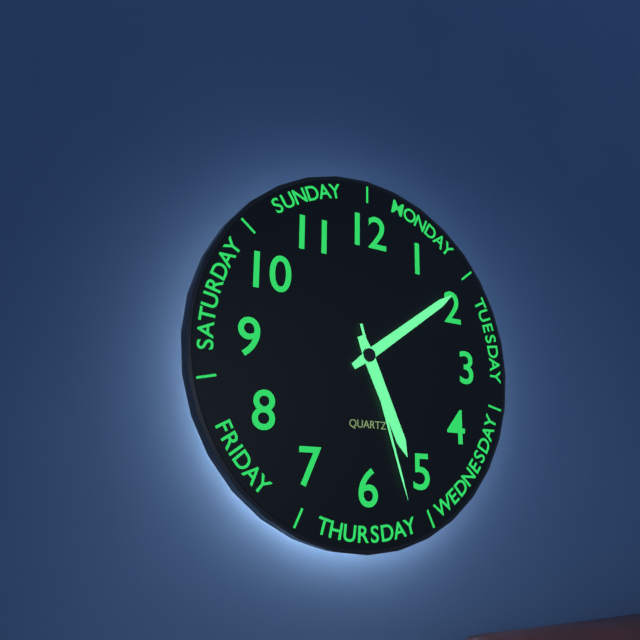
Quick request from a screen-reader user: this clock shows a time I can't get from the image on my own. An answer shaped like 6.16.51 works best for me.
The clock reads 5.09.27
